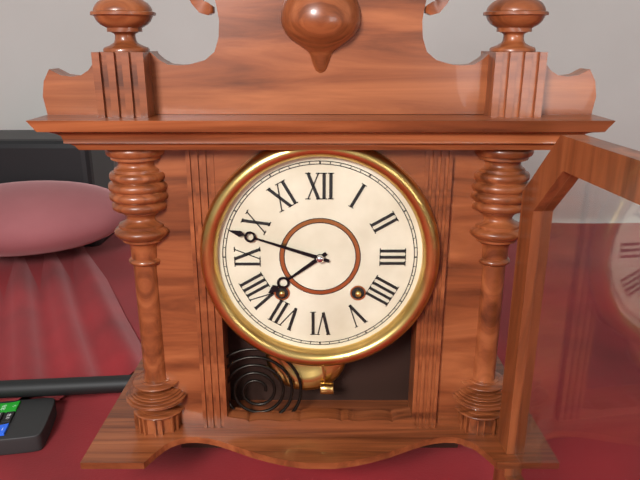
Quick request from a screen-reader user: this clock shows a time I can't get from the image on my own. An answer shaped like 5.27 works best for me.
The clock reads 7.48
